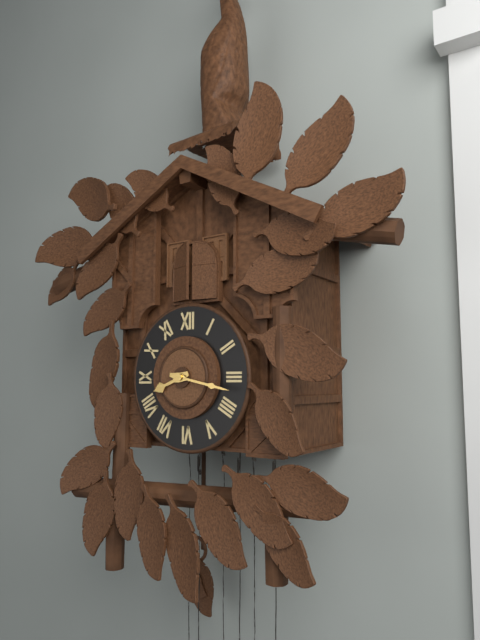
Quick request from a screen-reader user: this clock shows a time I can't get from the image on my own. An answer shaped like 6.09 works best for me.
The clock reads 8.17
